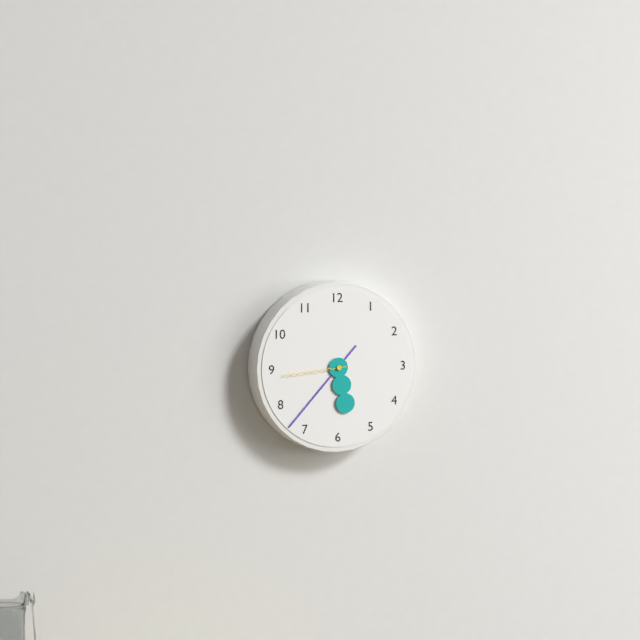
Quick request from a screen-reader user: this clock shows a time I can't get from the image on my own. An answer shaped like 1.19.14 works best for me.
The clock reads 5.37.44
